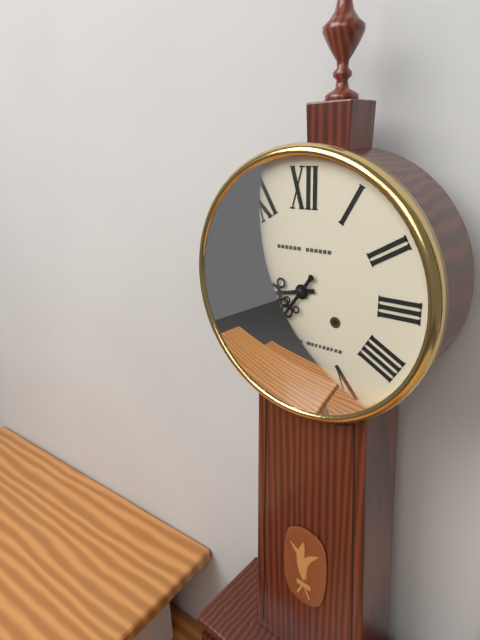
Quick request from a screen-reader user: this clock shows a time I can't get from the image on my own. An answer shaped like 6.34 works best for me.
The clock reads 8.36
